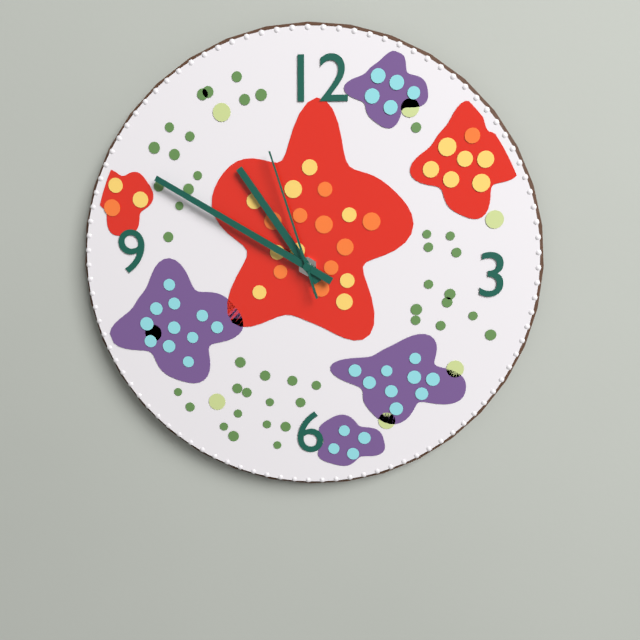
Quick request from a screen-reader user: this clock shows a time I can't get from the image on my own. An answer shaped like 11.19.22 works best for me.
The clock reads 10.50.57
